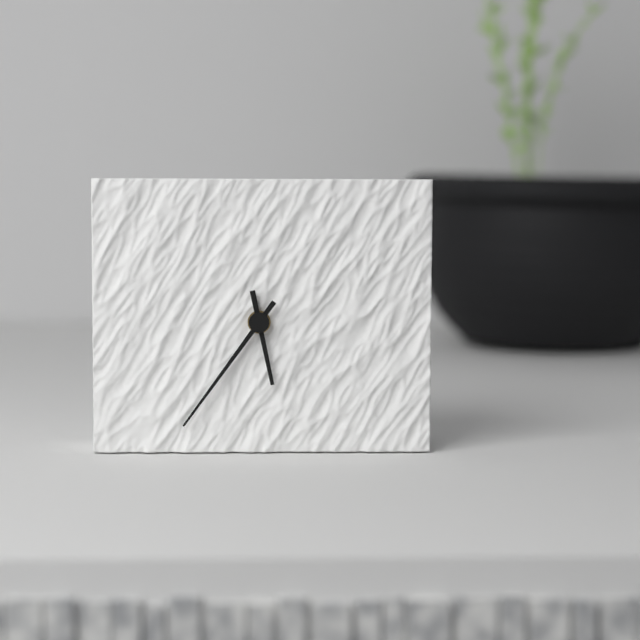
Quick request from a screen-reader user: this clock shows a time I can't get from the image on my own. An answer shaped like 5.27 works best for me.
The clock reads 5.36
